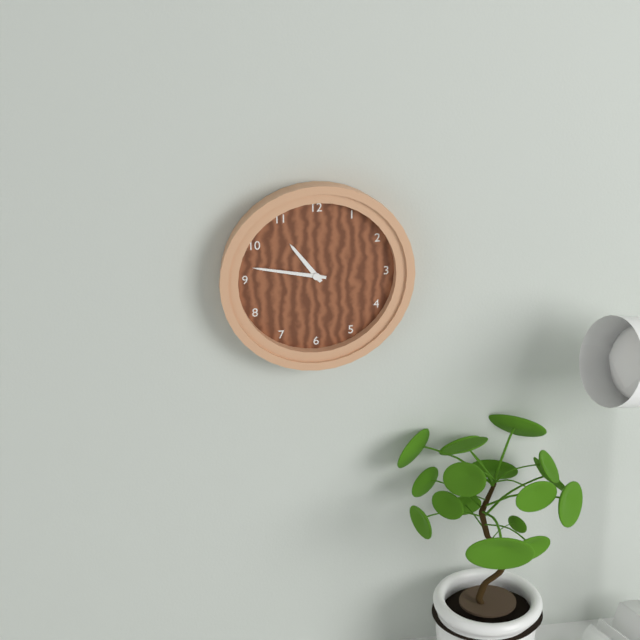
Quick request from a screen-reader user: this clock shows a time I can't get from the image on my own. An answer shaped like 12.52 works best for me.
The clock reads 10.47
